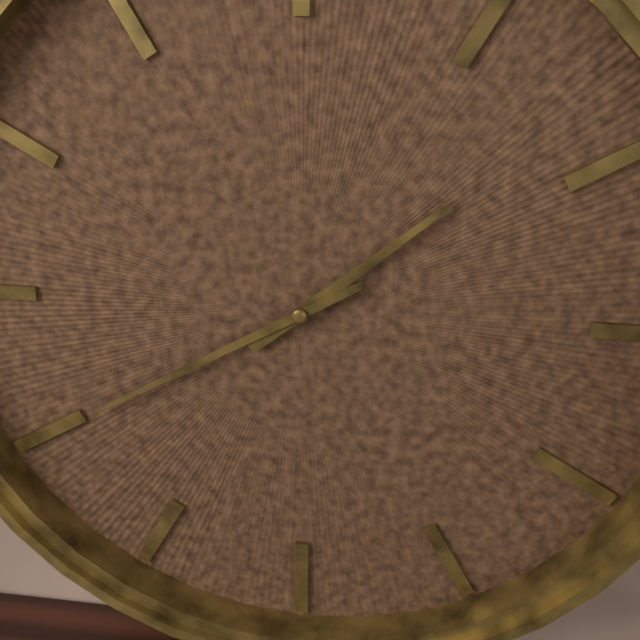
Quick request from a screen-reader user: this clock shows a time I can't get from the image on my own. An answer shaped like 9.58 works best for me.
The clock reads 1.40
